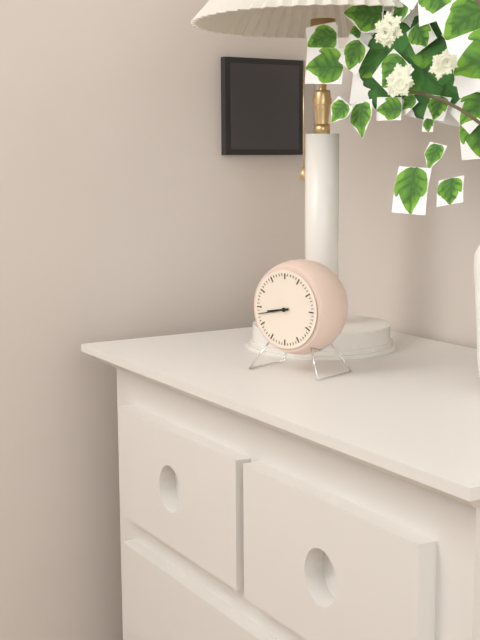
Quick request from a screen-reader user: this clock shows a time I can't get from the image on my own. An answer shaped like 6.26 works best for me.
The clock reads 8.43
